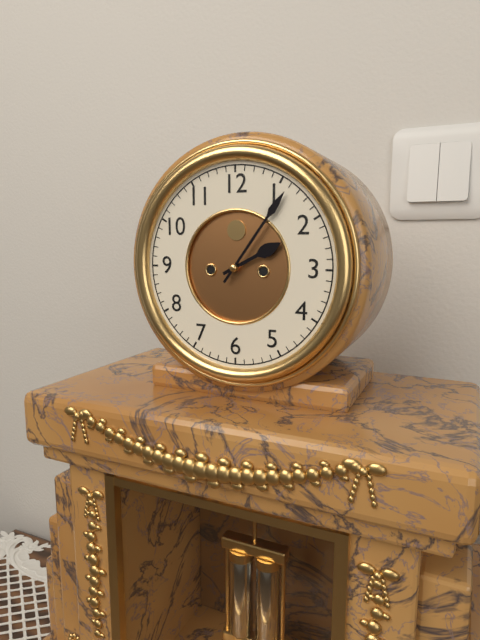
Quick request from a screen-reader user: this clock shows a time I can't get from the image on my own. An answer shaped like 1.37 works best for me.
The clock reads 2.06
